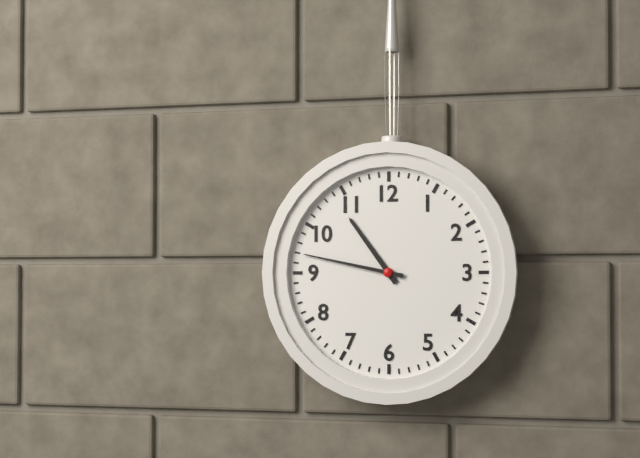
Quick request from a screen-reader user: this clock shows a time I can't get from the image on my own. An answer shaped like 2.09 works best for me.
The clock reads 10.47
